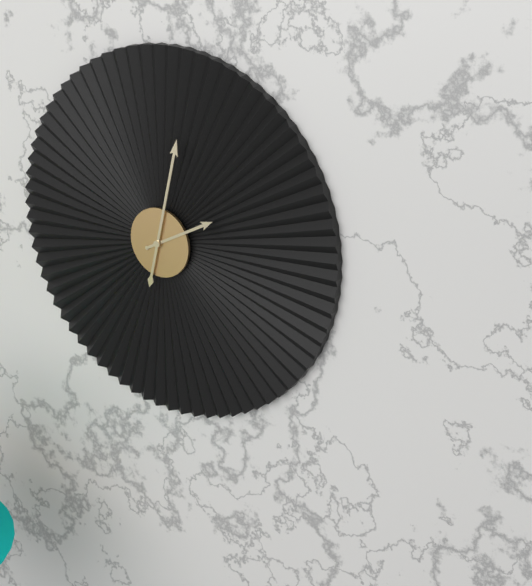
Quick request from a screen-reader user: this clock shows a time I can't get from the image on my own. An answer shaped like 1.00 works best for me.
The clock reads 2.02
